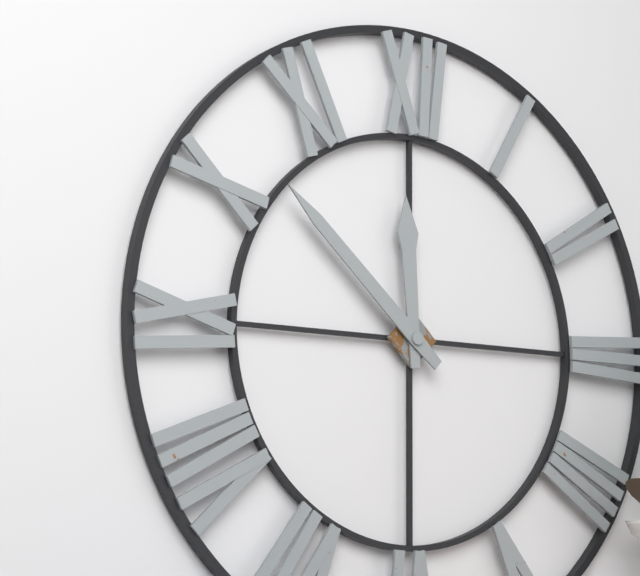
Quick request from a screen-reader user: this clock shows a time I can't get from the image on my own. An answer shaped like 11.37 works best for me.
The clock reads 11.52
